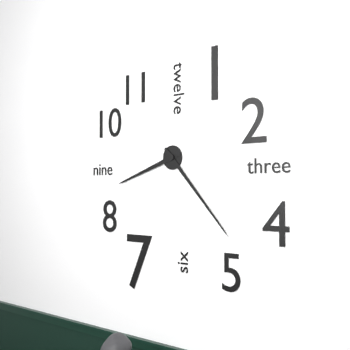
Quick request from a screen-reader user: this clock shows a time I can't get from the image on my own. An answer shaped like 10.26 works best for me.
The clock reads 8.23
